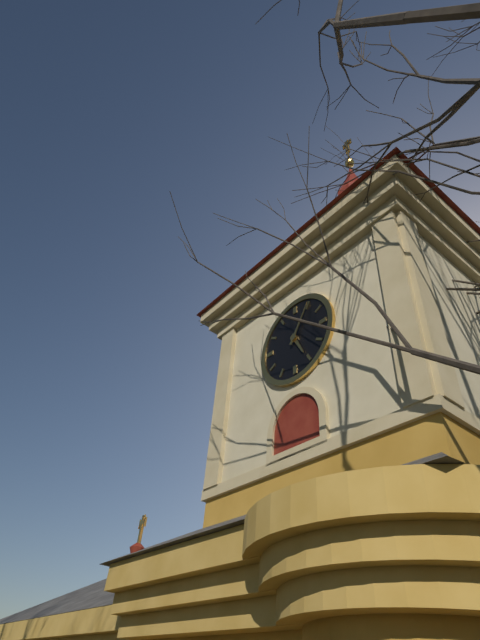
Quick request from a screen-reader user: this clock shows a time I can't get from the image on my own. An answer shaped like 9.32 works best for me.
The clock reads 5.05
